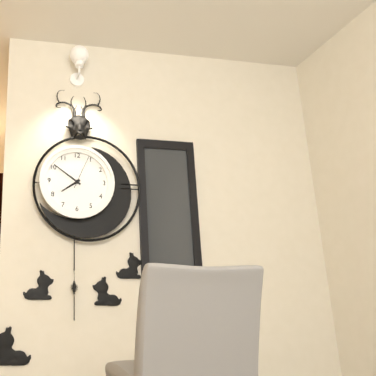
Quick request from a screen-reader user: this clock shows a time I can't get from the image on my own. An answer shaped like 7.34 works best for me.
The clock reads 7.51
